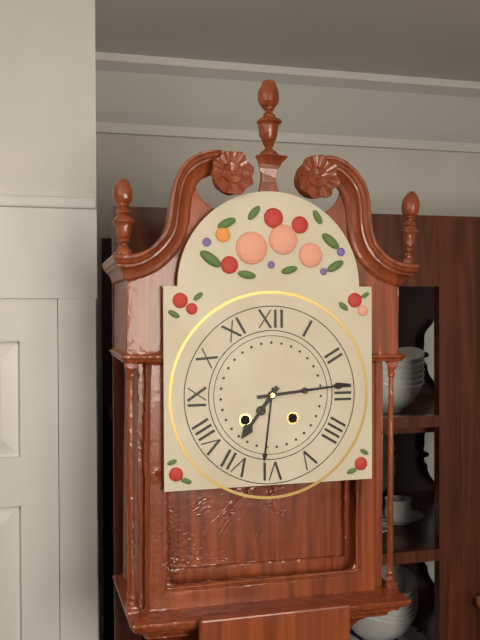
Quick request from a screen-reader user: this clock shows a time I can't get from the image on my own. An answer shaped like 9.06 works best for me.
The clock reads 7.14
